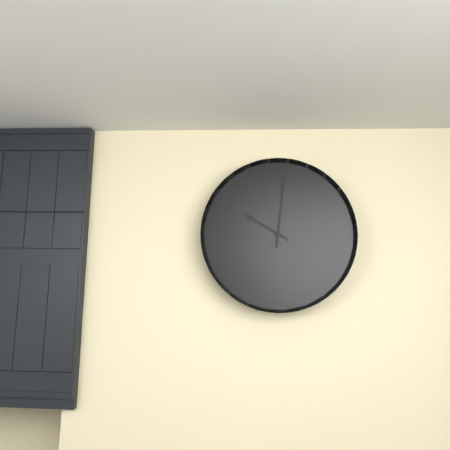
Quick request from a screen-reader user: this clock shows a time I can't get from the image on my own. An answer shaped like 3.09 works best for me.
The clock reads 10.01
